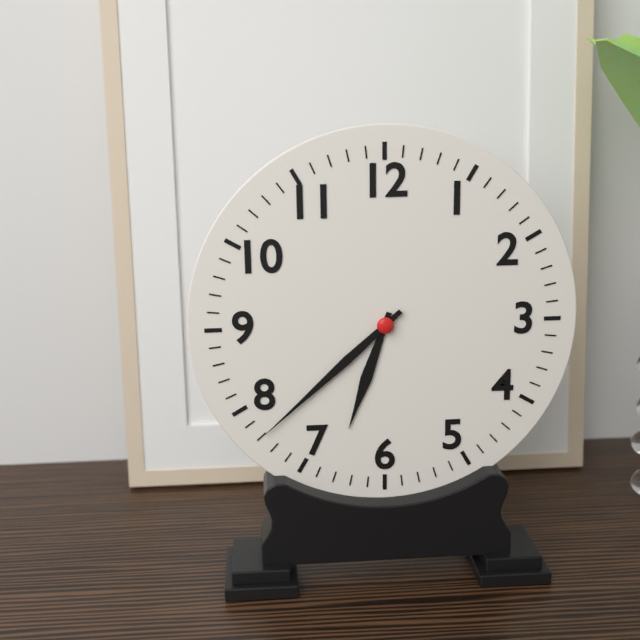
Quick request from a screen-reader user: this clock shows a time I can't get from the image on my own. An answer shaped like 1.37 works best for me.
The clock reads 6.38
